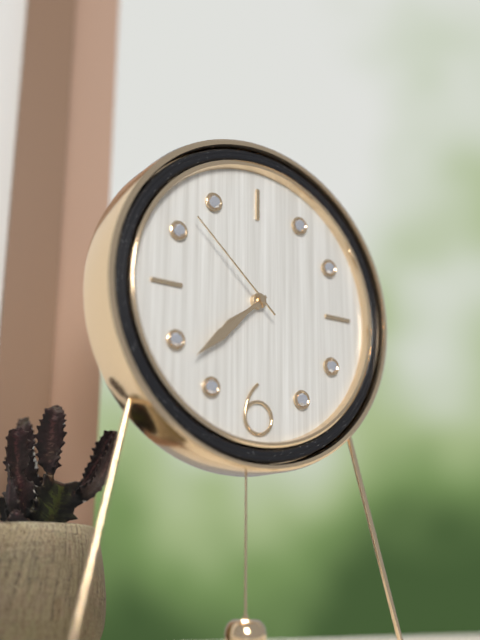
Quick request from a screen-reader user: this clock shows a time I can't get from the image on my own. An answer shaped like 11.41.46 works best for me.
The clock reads 7.38.52
